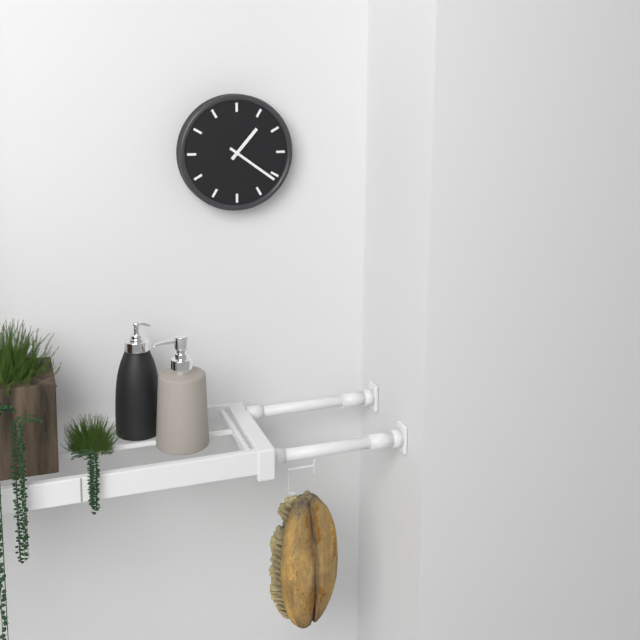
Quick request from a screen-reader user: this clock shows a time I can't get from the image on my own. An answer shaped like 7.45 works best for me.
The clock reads 1.21
